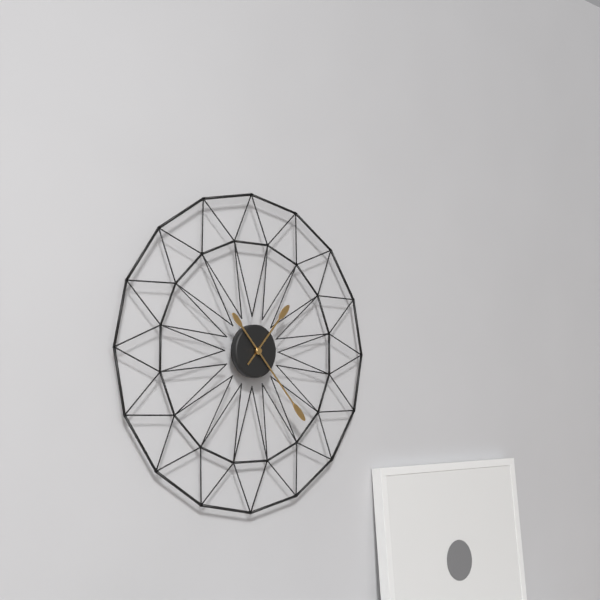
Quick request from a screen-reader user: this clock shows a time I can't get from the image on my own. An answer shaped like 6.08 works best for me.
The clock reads 1.23
